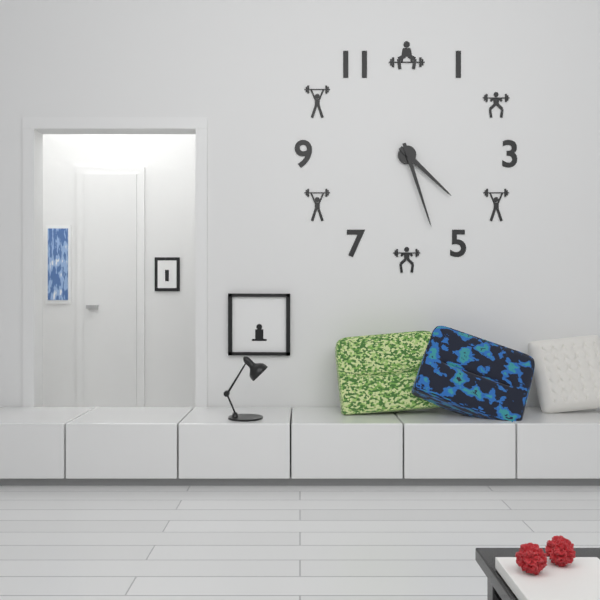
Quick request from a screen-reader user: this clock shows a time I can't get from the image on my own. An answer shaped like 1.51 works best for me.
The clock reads 4.27
